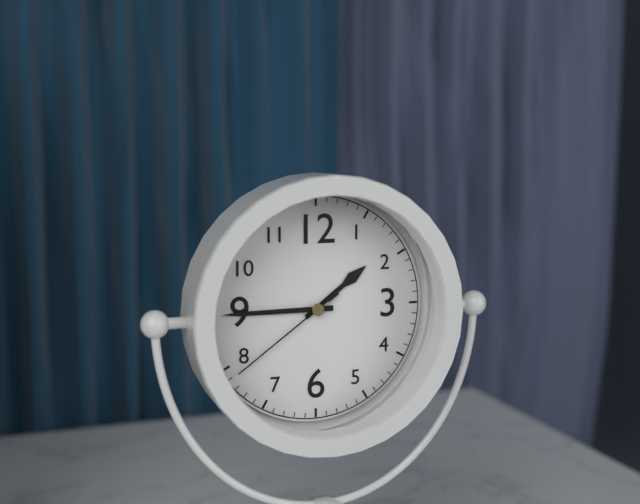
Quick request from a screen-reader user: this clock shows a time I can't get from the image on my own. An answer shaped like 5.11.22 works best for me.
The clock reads 1.45.39
